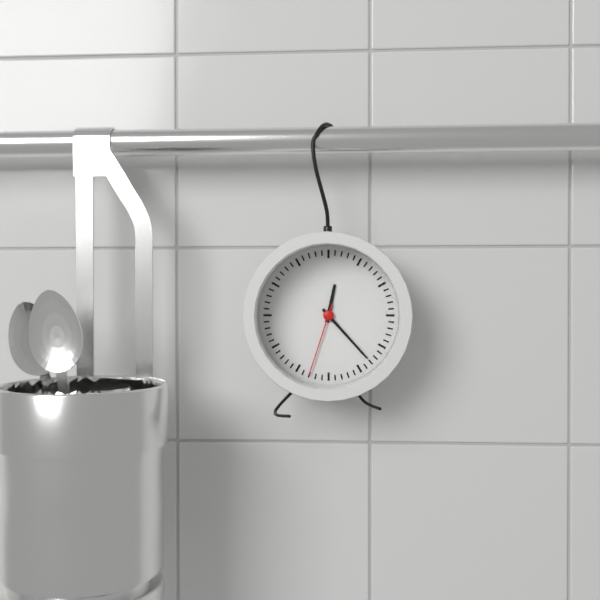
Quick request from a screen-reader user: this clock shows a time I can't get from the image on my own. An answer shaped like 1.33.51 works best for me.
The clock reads 12.23.33
